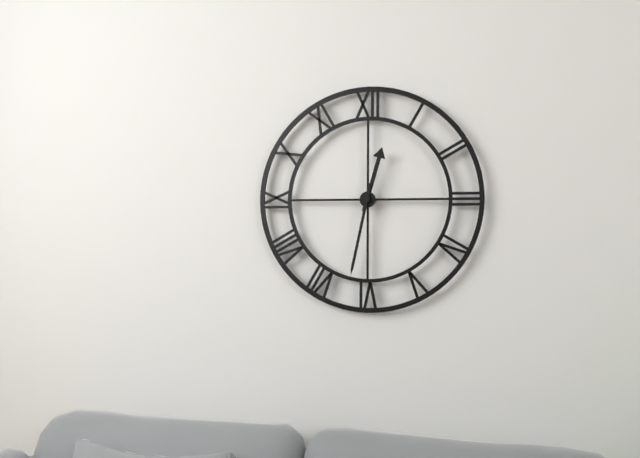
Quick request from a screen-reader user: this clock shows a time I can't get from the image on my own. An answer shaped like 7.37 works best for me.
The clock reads 12.32
